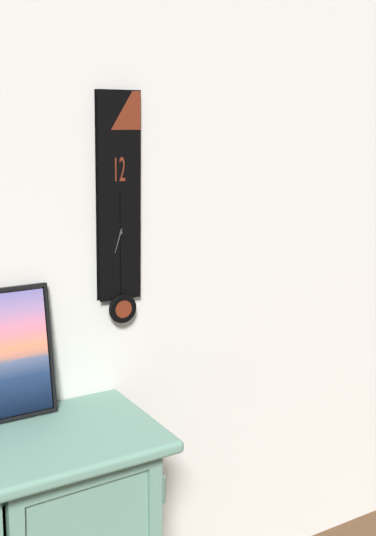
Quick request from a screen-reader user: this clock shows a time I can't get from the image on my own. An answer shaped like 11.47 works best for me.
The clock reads 6.33
